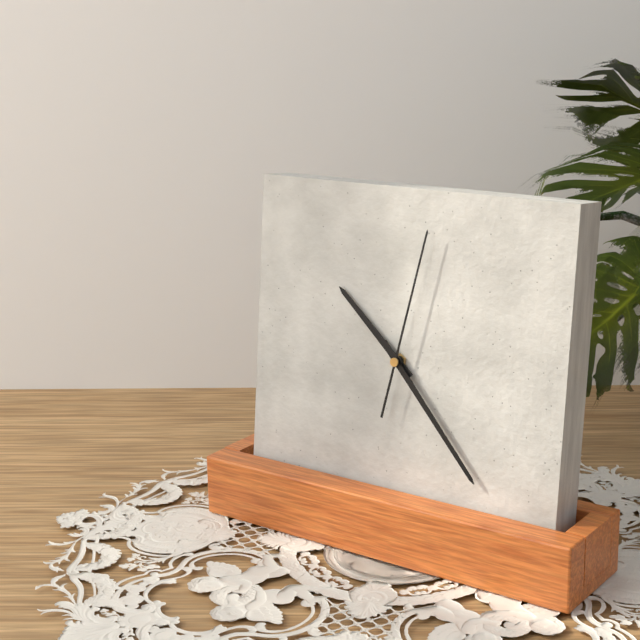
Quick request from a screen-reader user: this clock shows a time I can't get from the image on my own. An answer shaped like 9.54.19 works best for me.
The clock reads 10.23.02
